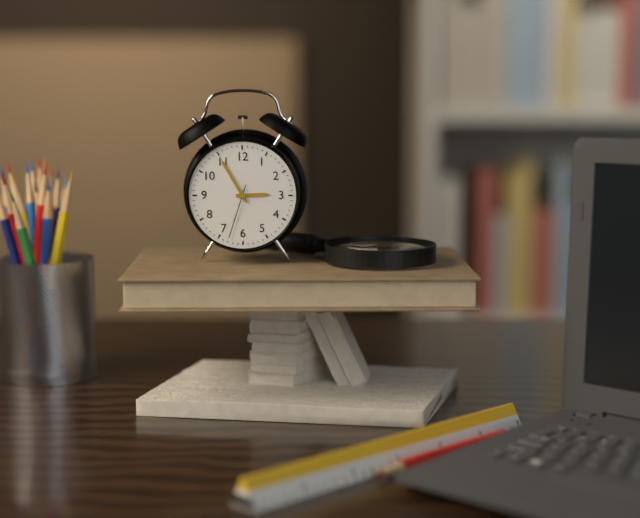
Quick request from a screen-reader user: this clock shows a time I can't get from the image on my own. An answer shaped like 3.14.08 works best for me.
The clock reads 2.55.33
